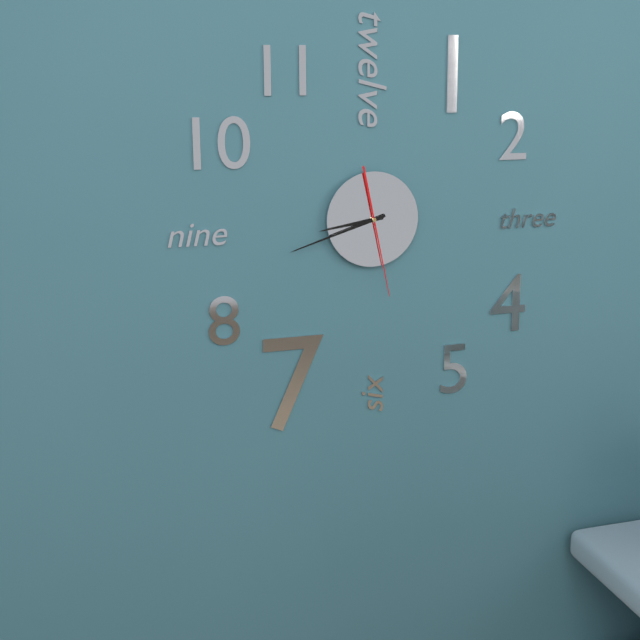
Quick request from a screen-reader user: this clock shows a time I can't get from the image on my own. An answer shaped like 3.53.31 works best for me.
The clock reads 8.42.28
